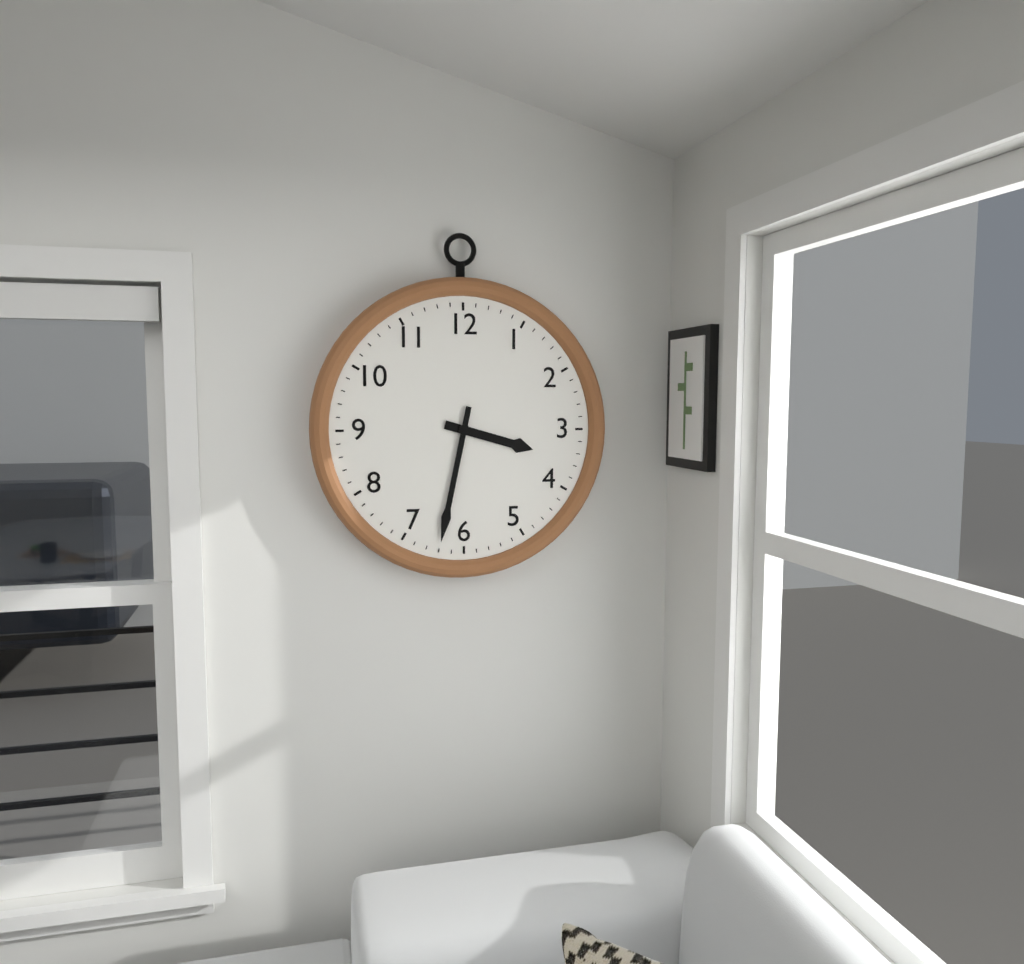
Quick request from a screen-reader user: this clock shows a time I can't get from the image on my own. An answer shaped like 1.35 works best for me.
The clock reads 3.32
